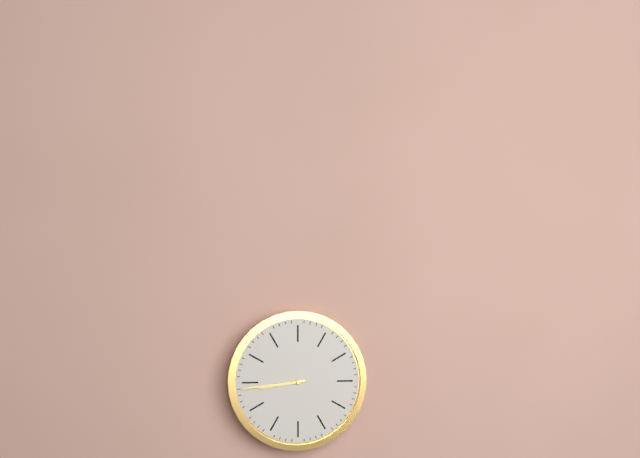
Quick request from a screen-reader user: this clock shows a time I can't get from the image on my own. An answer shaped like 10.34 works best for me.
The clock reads 8.44
